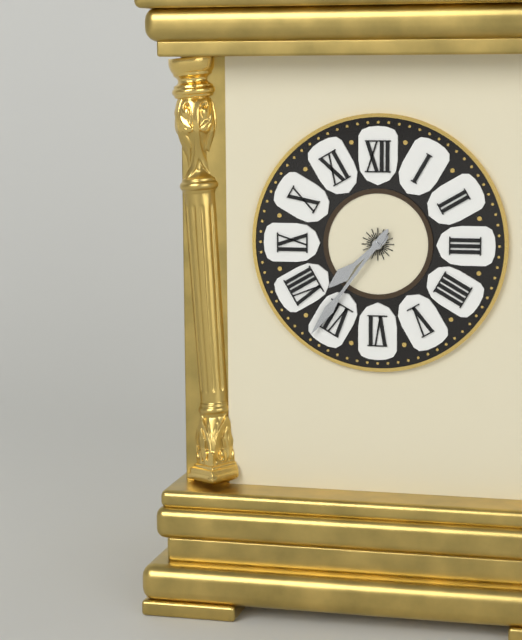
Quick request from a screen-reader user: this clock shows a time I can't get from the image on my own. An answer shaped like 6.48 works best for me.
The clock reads 7.36
